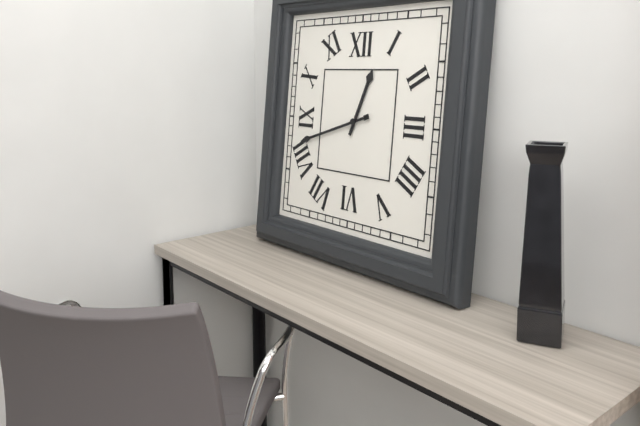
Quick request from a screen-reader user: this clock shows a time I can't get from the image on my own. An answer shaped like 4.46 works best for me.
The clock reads 12.42
